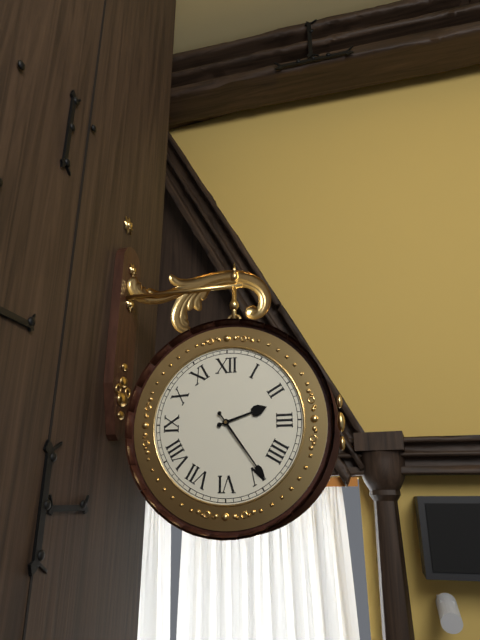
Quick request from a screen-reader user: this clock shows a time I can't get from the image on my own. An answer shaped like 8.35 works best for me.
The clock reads 2.24
